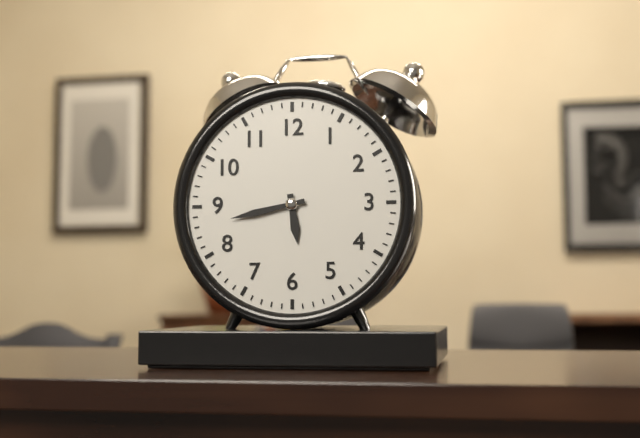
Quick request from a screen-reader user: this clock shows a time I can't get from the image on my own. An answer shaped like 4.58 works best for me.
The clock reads 5.43
